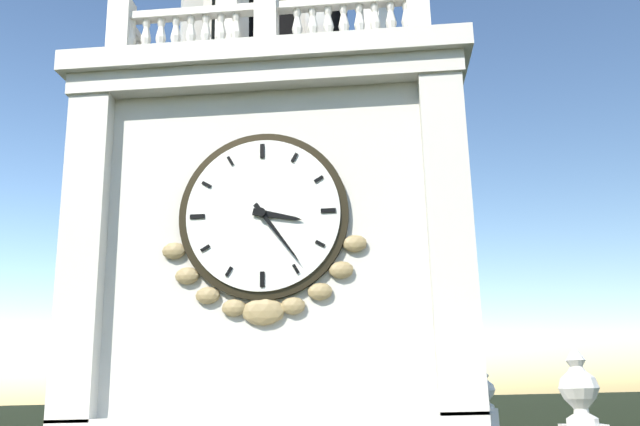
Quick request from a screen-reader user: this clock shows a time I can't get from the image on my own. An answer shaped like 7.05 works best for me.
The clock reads 3.24
